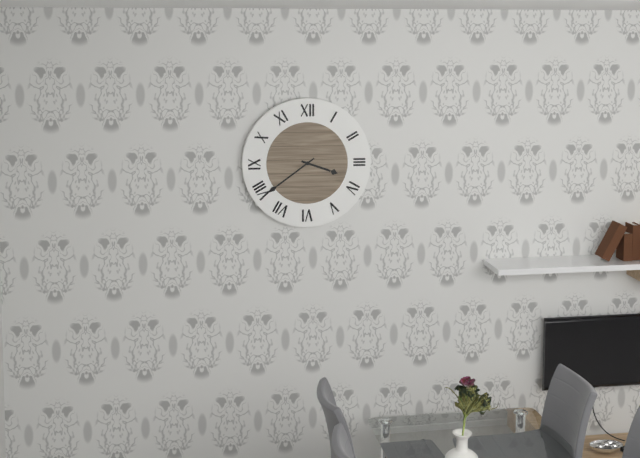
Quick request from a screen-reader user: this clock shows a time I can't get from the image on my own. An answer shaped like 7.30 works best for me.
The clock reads 3.39
